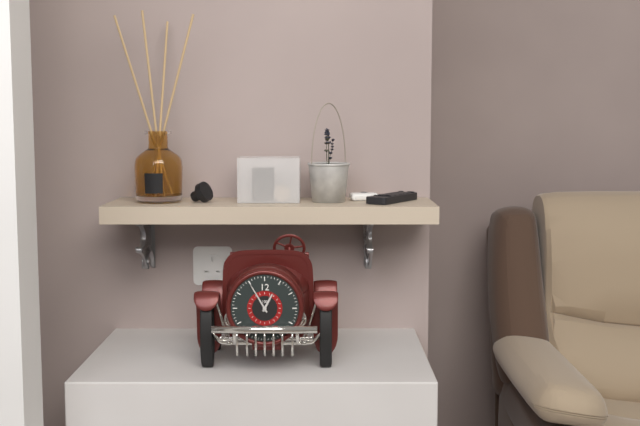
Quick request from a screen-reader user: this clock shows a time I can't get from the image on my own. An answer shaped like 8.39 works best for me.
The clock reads 12.55
